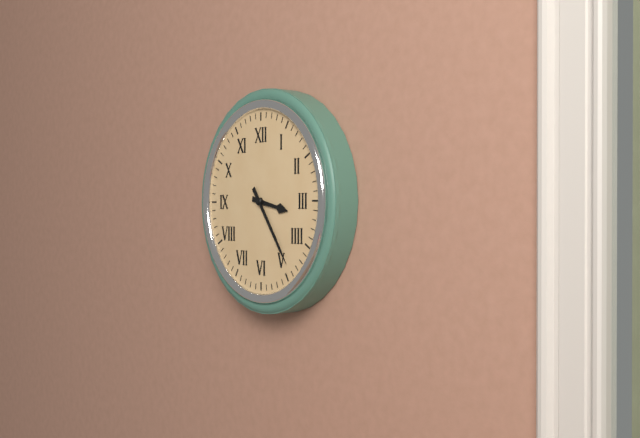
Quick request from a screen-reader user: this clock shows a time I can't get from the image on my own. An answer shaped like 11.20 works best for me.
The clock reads 3.24
